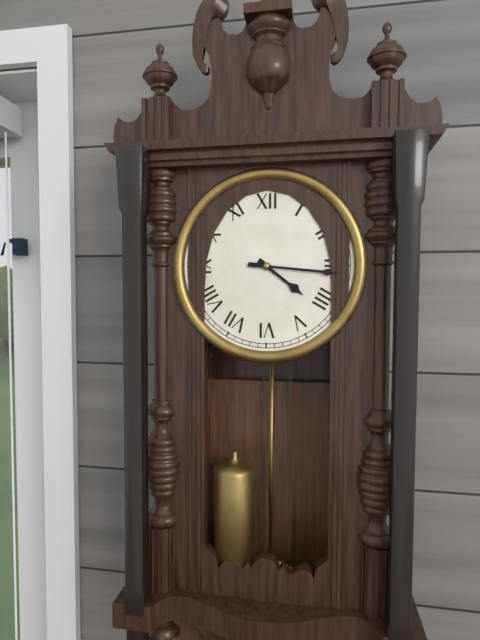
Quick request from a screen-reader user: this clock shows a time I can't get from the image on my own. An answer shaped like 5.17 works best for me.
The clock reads 4.16
